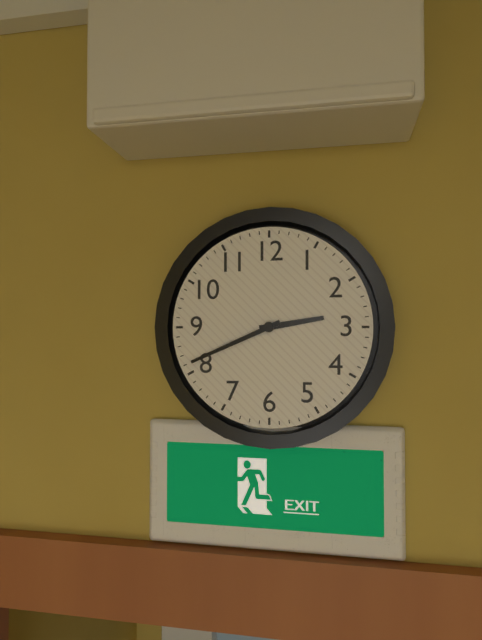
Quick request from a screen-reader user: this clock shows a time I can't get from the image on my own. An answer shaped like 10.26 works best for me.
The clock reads 2.41
